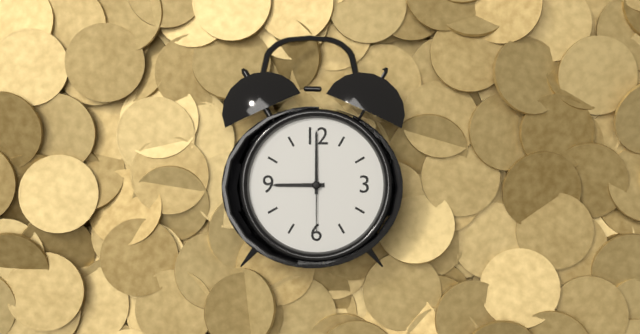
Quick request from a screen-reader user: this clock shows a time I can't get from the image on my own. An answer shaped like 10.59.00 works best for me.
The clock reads 9.00.30
